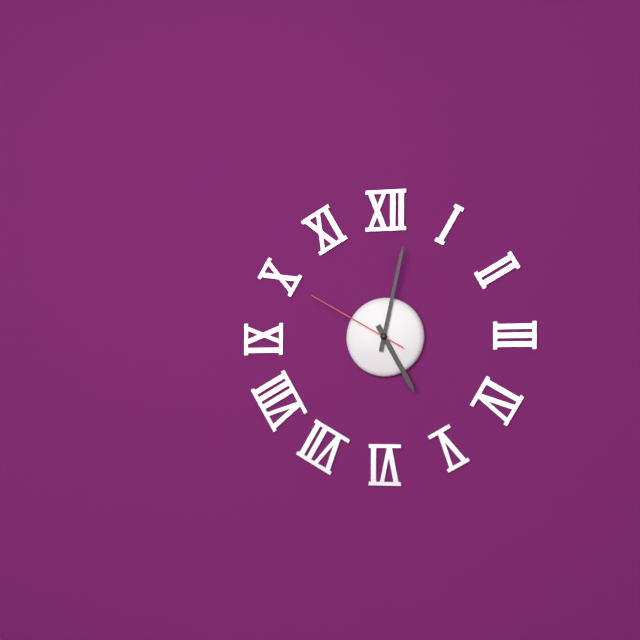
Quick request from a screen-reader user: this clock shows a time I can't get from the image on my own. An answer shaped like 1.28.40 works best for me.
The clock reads 5.02.50
